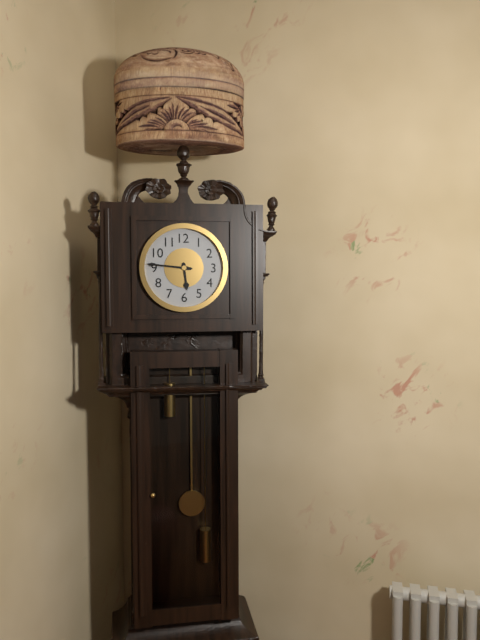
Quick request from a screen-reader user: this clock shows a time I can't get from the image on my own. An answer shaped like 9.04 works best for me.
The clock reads 5.46
